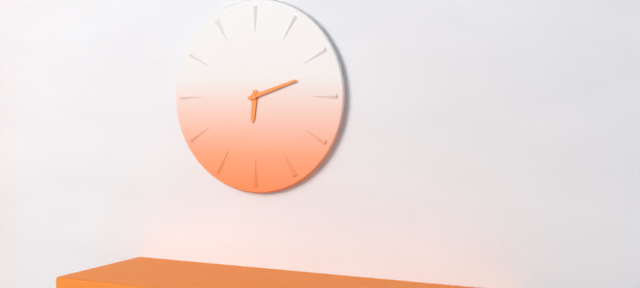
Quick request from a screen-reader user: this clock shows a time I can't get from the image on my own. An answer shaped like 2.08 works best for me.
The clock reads 6.12
